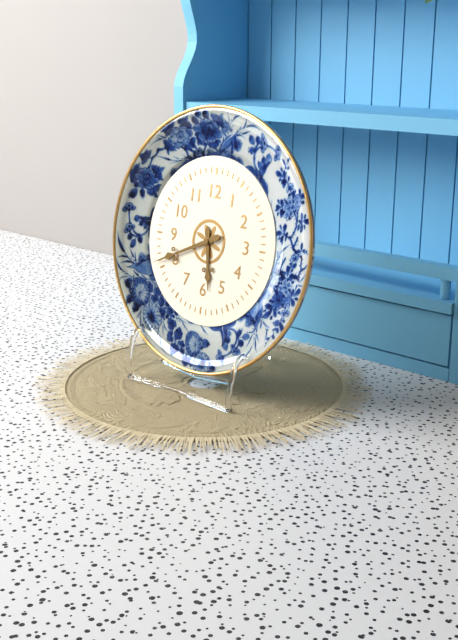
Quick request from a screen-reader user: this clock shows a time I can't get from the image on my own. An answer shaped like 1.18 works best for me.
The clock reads 5.41
